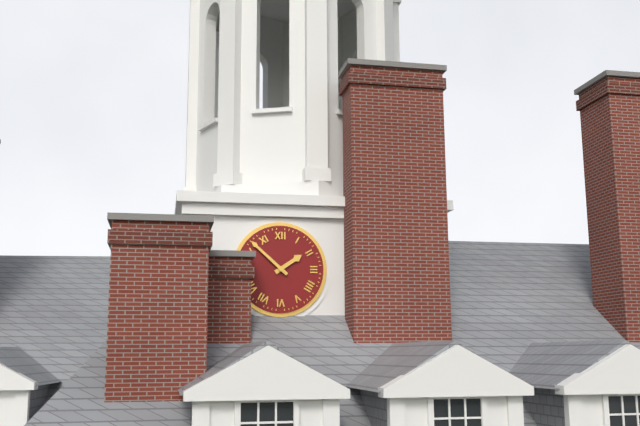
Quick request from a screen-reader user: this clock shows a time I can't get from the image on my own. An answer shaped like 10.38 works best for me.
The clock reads 1.52
